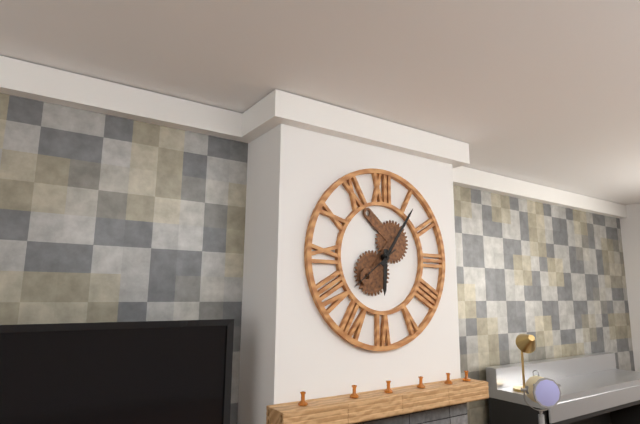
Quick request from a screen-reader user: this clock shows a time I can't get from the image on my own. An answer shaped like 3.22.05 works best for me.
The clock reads 6.06.39
